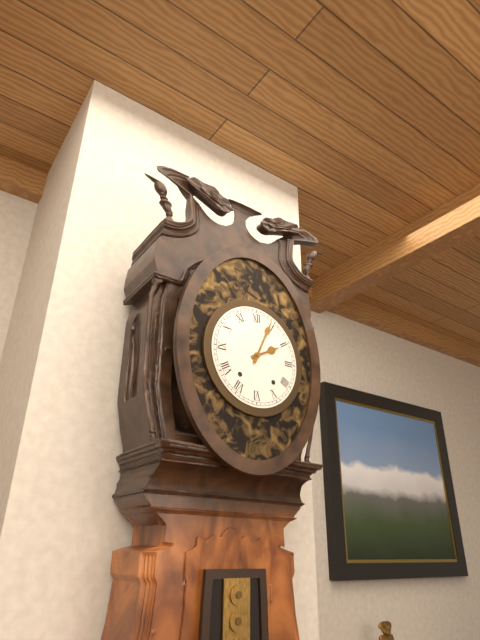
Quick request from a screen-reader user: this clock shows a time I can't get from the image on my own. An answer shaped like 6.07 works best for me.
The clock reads 2.04
